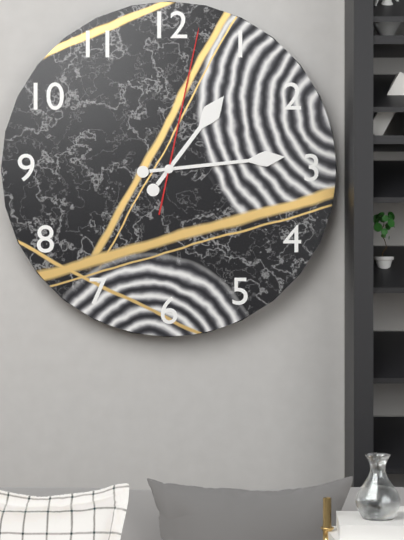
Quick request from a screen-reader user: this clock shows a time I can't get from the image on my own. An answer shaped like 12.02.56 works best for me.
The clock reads 1.14.02
